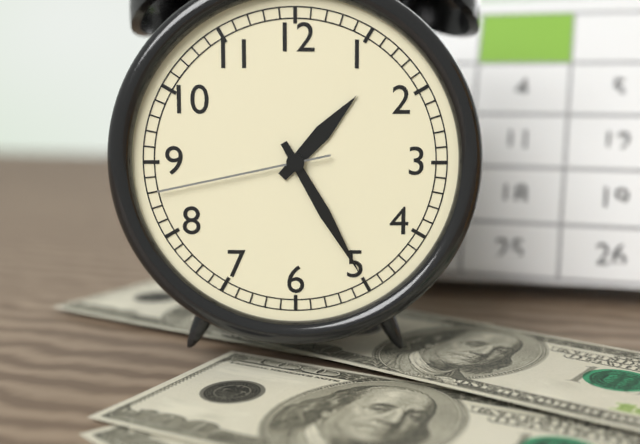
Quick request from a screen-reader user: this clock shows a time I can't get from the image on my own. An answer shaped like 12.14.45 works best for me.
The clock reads 1.25.43
